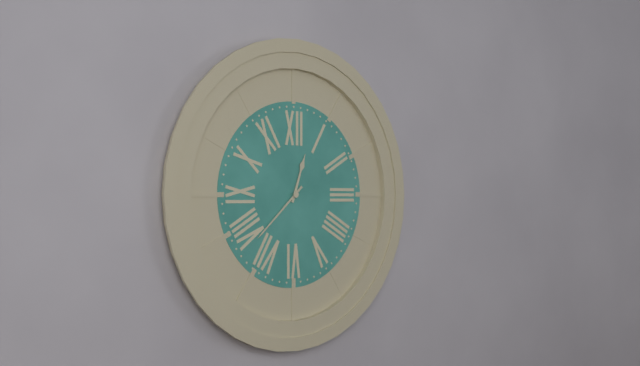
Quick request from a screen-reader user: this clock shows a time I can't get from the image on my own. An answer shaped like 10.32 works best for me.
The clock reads 12.38
